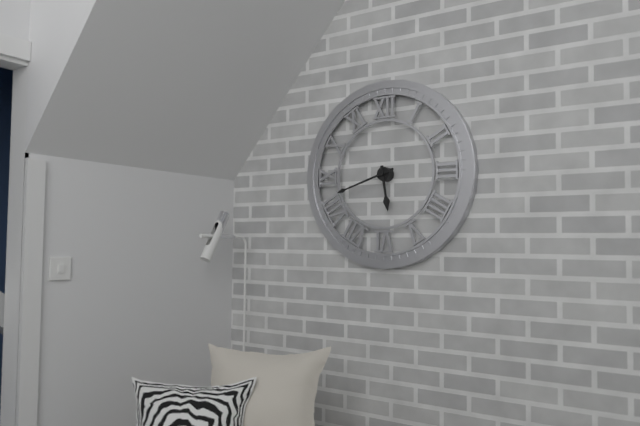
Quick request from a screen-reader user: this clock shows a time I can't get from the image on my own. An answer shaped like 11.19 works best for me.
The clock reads 5.42
